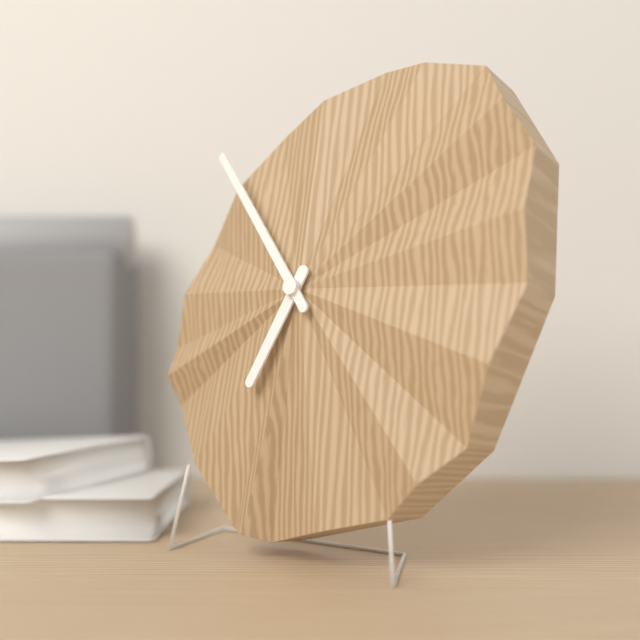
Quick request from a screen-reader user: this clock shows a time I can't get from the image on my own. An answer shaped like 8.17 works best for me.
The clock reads 6.54
